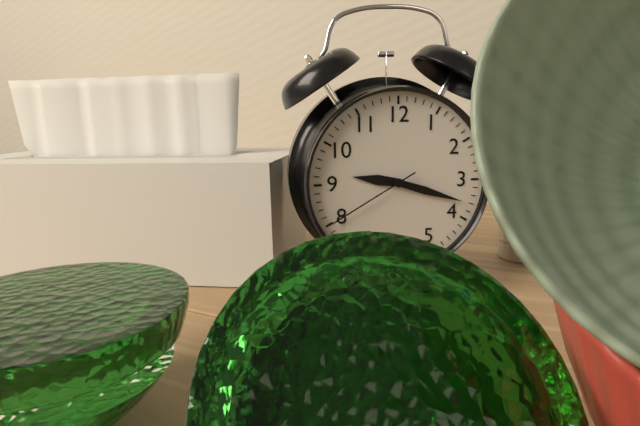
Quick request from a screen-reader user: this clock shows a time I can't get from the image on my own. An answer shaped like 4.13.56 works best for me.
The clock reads 9.18.40
